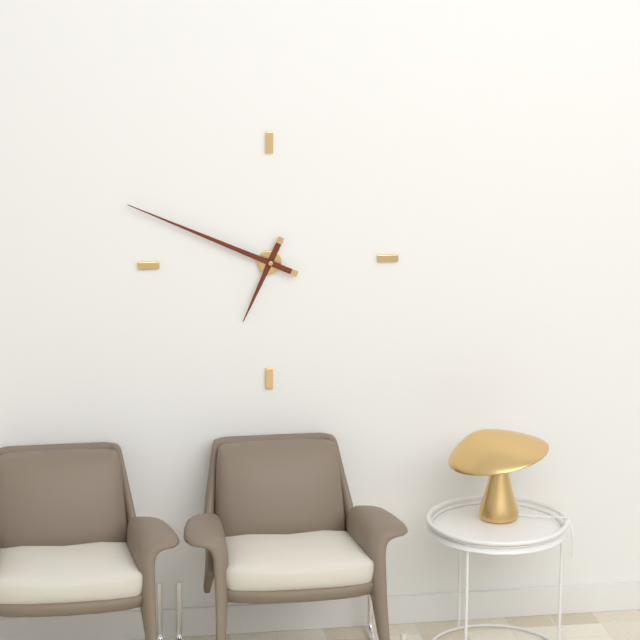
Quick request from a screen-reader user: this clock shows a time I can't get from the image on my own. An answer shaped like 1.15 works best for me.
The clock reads 6.49
